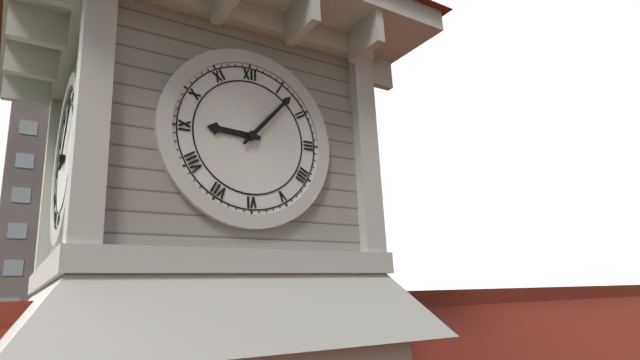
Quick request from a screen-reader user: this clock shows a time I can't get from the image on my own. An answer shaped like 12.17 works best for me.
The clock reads 9.07
